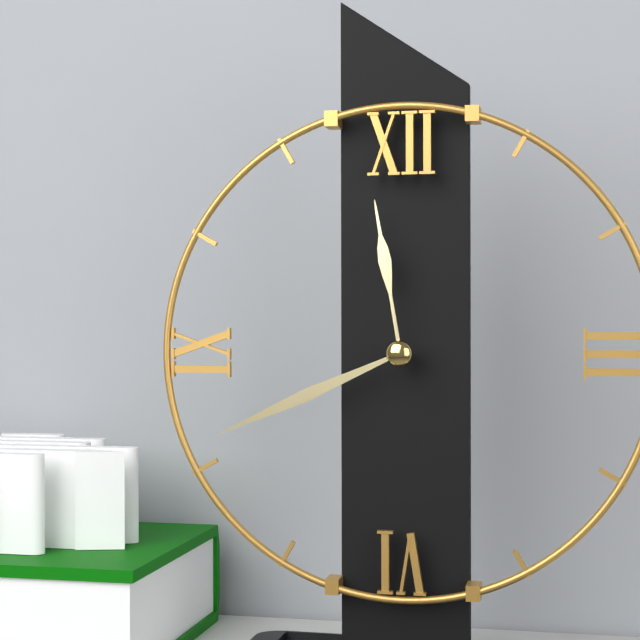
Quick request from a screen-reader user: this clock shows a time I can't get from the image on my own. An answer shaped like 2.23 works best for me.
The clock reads 11.41
